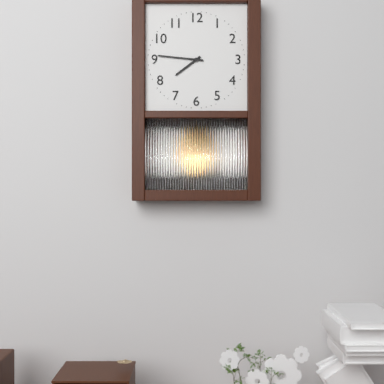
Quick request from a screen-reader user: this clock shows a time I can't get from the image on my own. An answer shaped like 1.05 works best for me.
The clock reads 7.46
